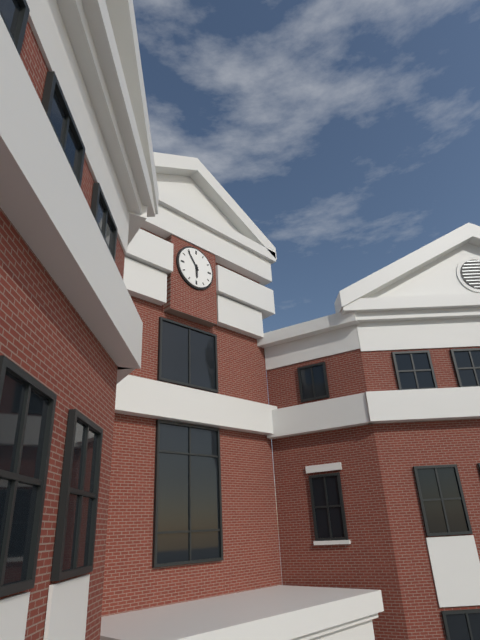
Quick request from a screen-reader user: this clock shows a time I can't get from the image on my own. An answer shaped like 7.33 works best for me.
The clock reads 5.54
